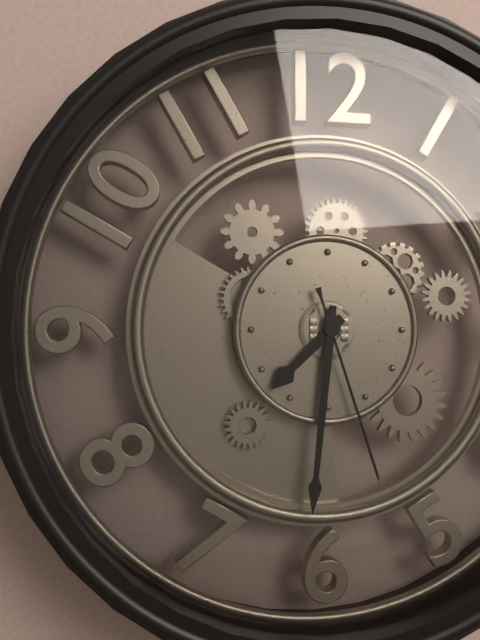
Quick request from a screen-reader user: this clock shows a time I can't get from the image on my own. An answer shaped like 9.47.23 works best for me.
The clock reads 7.31.27
